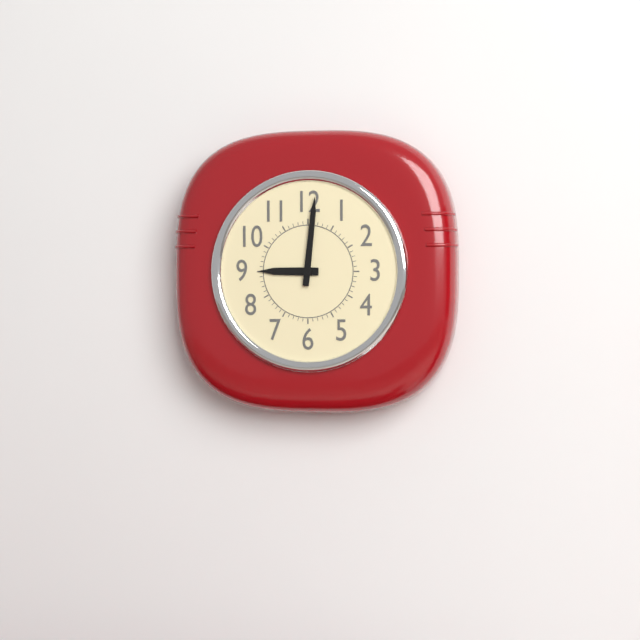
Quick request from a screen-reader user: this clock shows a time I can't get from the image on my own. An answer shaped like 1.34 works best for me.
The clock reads 9.01
